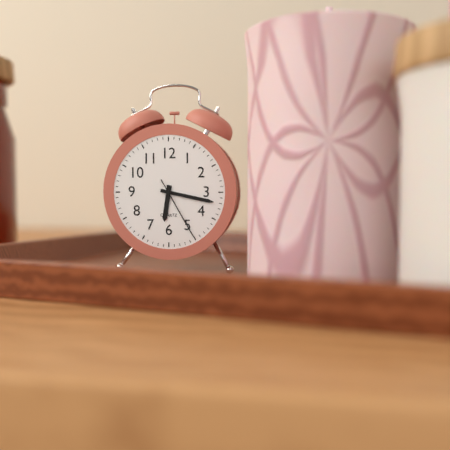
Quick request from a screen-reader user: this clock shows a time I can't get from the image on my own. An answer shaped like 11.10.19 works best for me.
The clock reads 6.17.25
